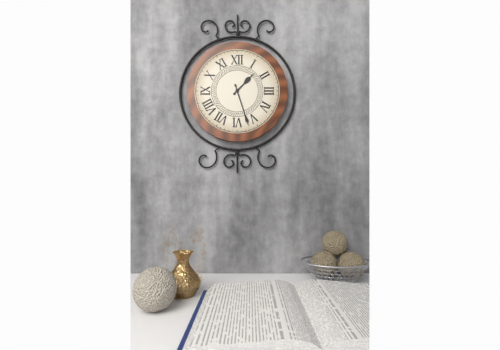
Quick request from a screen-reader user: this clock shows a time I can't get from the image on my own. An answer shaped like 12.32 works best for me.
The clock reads 1.27
